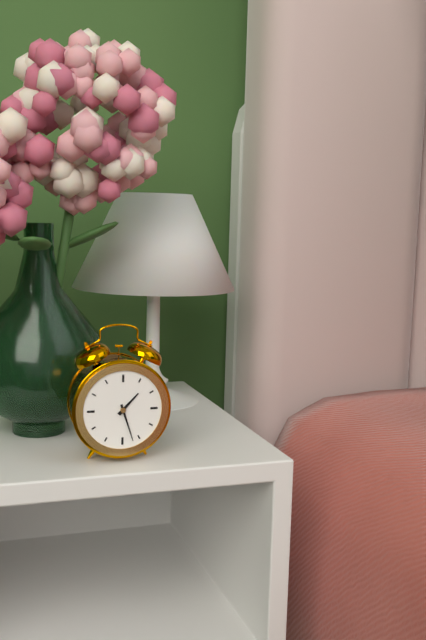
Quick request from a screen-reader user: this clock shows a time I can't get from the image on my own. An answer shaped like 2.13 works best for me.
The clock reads 1.27
